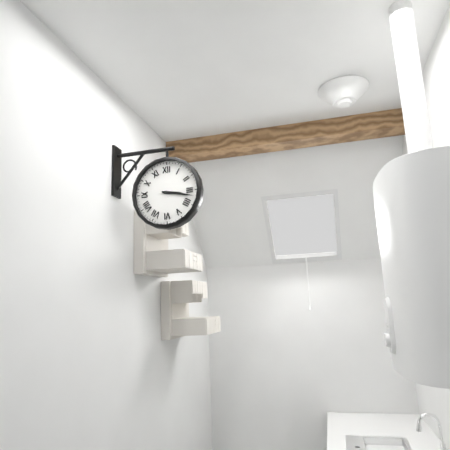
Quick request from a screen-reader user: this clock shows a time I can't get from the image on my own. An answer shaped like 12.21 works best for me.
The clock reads 3.17
